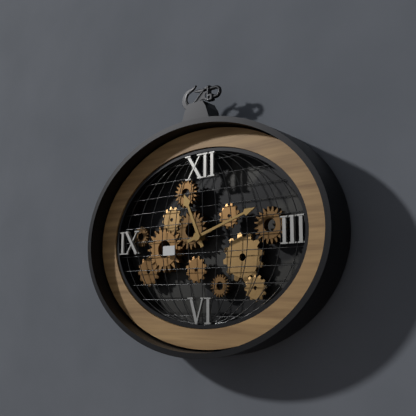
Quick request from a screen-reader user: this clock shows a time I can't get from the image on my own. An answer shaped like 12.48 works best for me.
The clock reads 11.12
